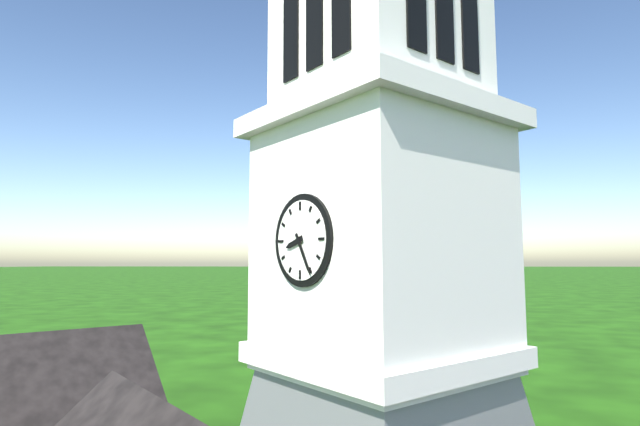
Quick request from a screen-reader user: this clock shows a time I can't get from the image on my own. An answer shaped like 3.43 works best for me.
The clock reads 8.25
